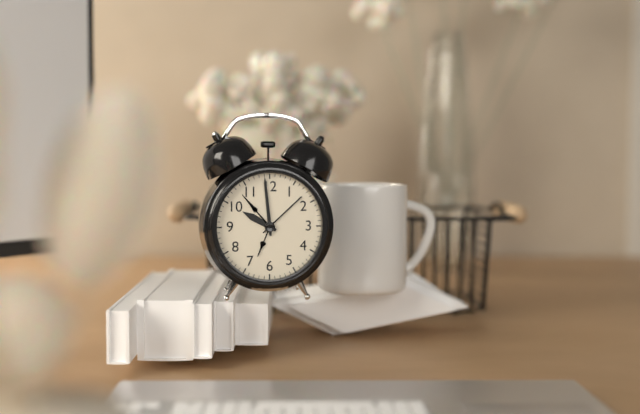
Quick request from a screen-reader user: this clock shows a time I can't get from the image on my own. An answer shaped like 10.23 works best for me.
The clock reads 9.59
